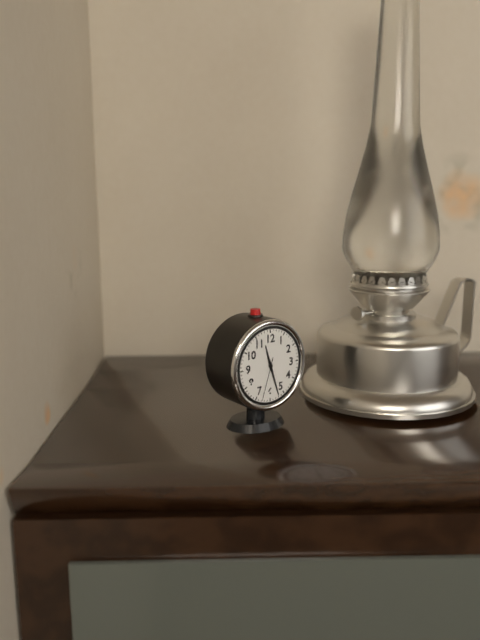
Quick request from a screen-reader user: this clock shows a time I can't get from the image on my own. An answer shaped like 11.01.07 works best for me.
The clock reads 11.27.33
